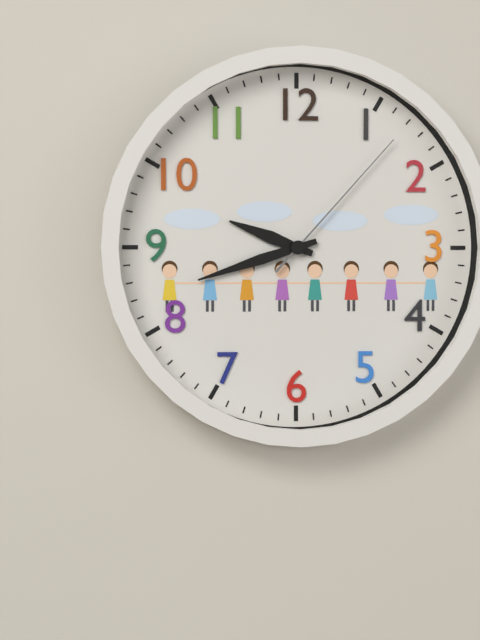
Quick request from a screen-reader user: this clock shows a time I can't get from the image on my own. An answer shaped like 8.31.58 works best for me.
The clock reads 9.42.07
